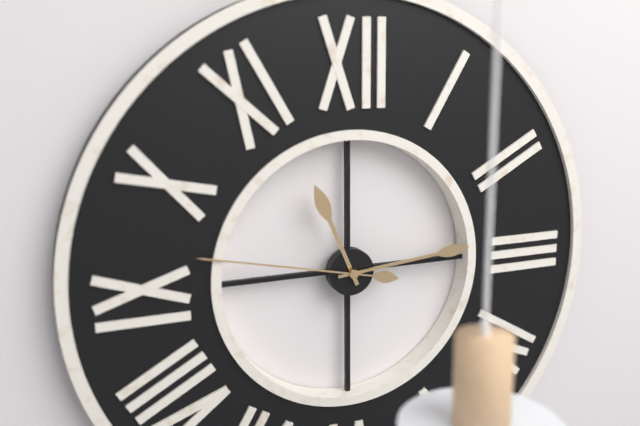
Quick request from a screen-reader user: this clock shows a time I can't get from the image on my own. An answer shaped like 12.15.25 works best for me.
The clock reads 11.14.47
